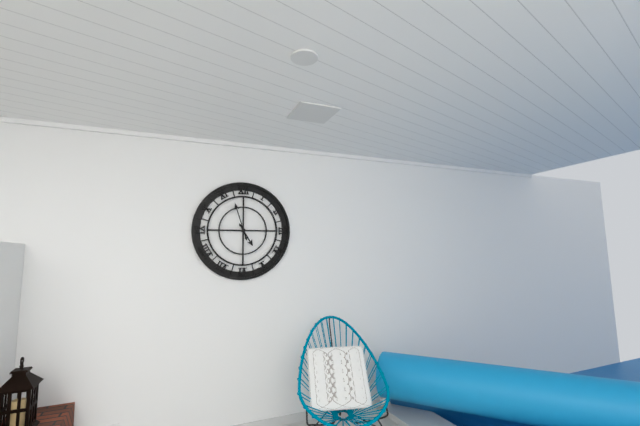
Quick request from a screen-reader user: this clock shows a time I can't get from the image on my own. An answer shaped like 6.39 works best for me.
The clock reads 4.57
